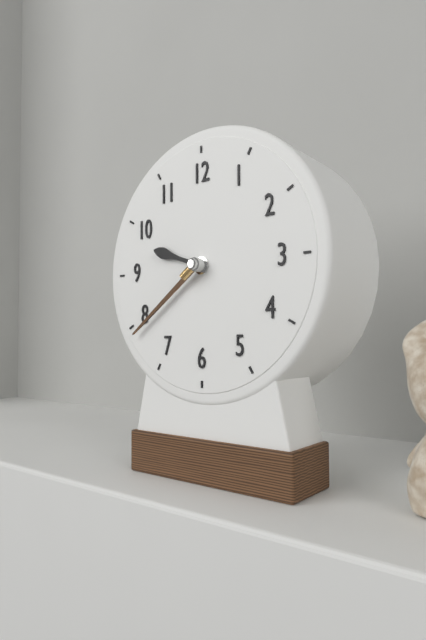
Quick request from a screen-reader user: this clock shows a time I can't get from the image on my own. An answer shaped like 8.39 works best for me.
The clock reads 9.39
